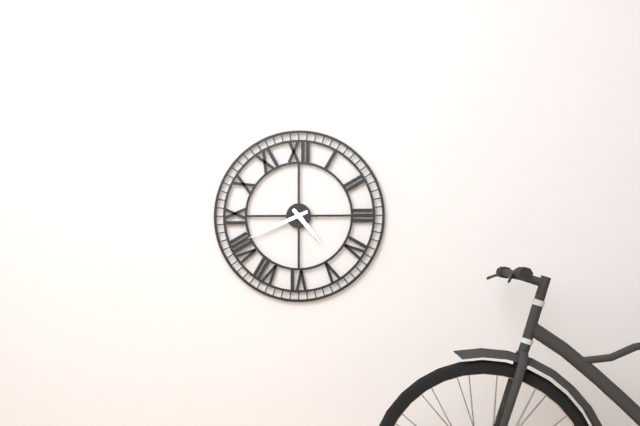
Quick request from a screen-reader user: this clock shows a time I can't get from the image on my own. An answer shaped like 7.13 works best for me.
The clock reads 4.41
